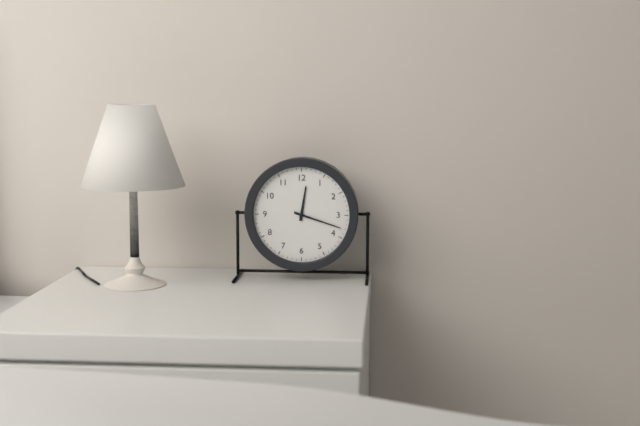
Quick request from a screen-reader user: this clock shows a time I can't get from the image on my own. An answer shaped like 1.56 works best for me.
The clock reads 12.18
